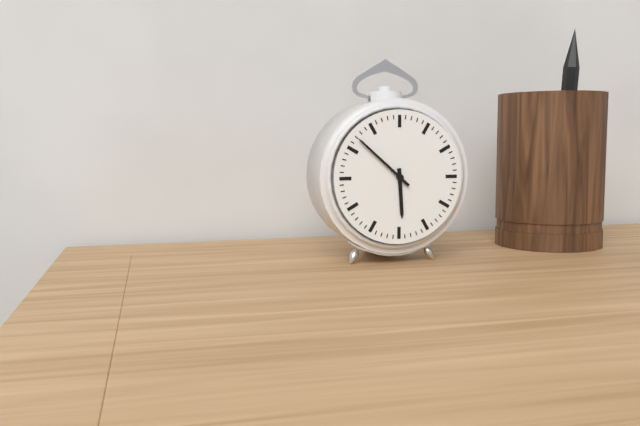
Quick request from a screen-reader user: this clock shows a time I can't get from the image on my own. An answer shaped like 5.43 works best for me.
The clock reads 5.52
